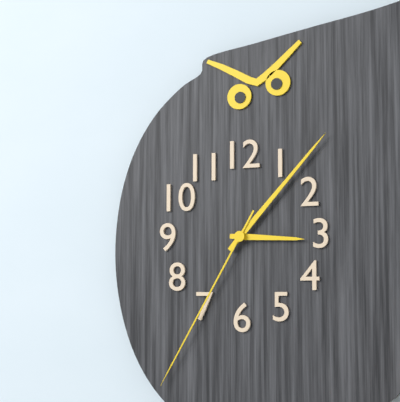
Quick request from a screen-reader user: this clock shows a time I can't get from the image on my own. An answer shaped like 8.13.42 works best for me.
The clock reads 3.07.35
